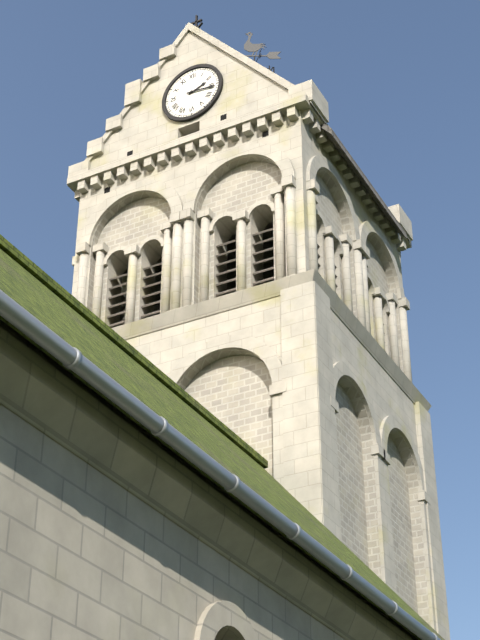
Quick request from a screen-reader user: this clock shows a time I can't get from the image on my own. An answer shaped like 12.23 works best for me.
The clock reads 2.16
